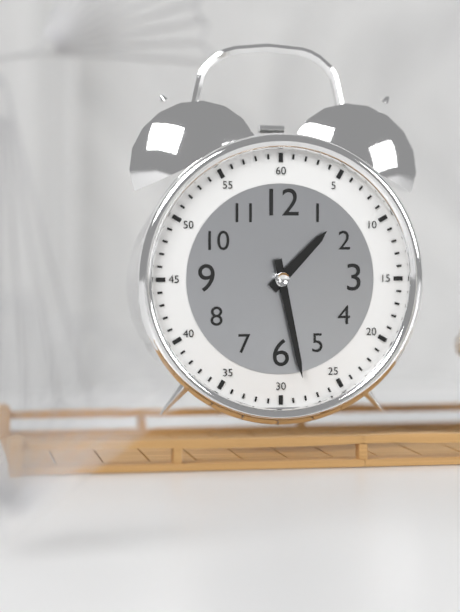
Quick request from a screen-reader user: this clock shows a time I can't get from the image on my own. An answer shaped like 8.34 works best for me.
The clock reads 1.28
